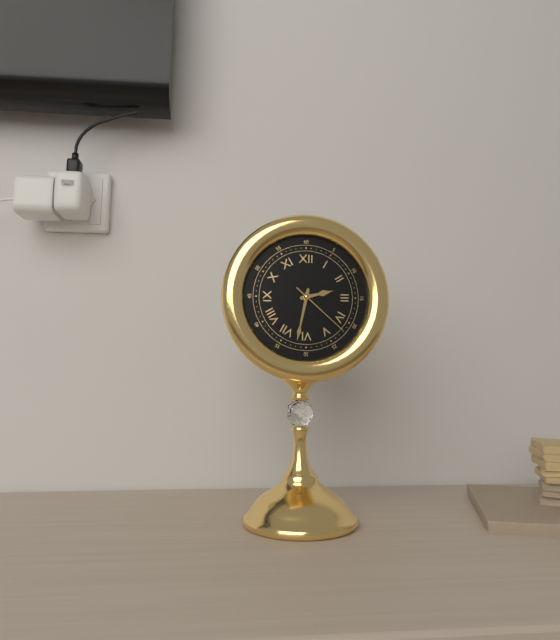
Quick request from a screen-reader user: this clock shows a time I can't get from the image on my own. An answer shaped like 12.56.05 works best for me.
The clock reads 2.32.22
